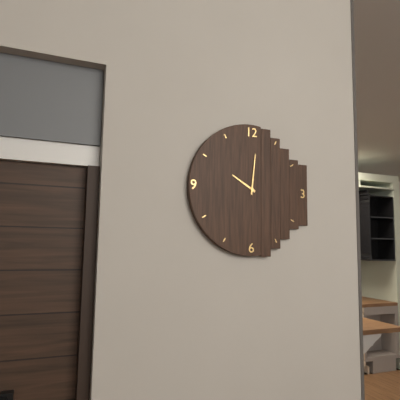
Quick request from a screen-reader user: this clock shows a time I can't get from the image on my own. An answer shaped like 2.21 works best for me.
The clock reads 10.01
